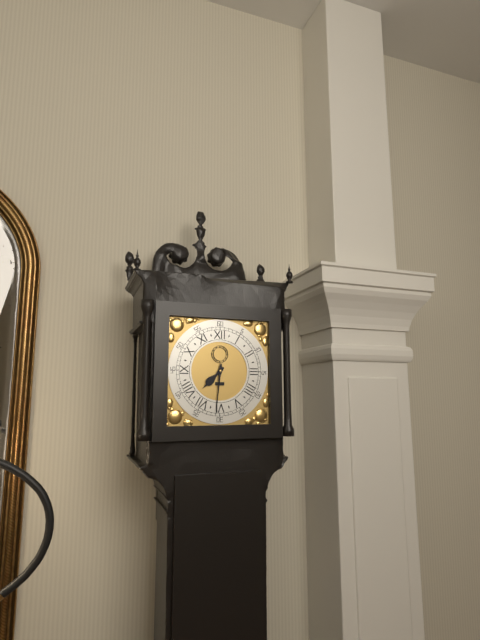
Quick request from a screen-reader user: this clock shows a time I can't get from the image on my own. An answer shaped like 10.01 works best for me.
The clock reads 7.31
